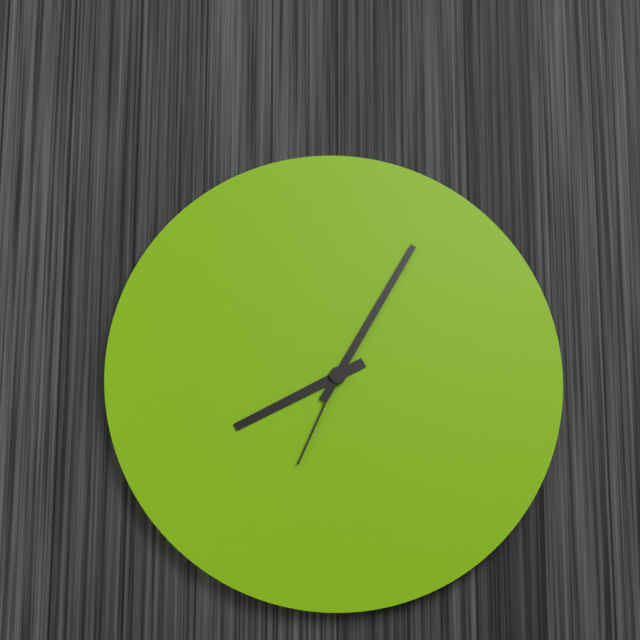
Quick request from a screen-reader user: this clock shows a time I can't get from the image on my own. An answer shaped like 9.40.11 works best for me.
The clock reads 8.05.34
